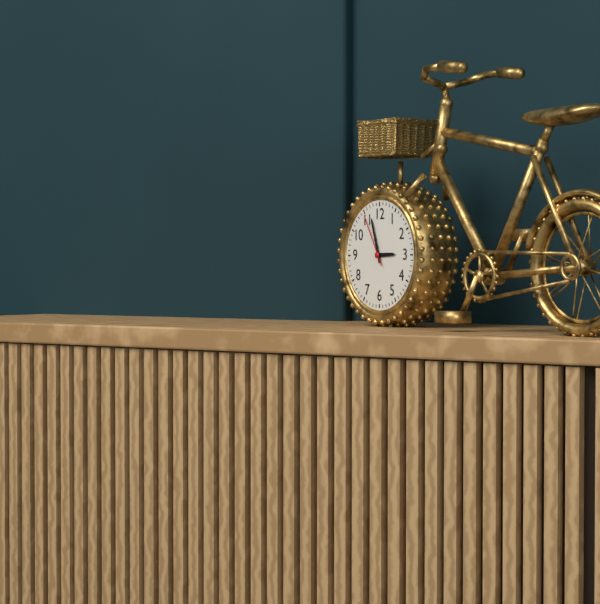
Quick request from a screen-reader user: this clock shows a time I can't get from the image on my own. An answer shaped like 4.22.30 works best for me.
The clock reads 2.57.55
